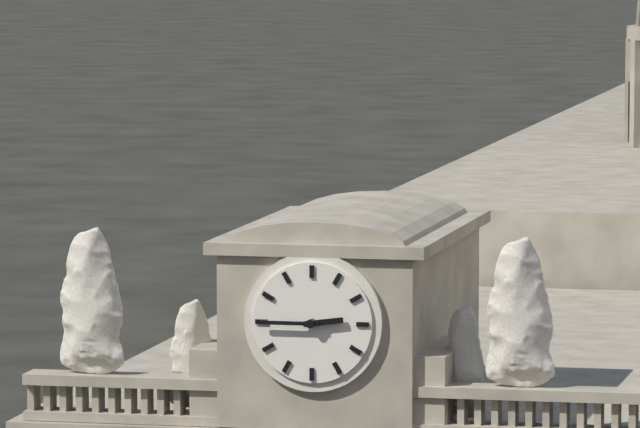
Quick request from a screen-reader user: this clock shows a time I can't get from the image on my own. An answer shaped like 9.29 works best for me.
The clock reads 2.45
